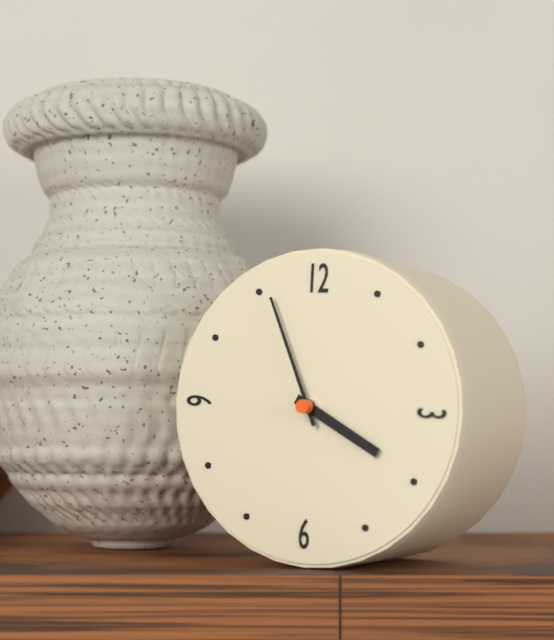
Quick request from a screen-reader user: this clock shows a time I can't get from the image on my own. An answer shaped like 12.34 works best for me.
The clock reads 3.56
